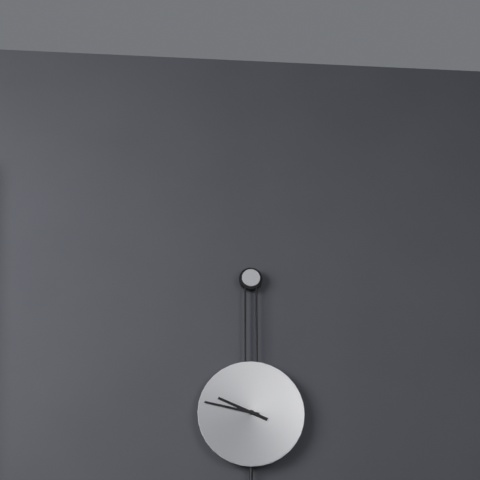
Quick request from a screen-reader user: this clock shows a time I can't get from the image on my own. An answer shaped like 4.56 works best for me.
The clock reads 9.47
